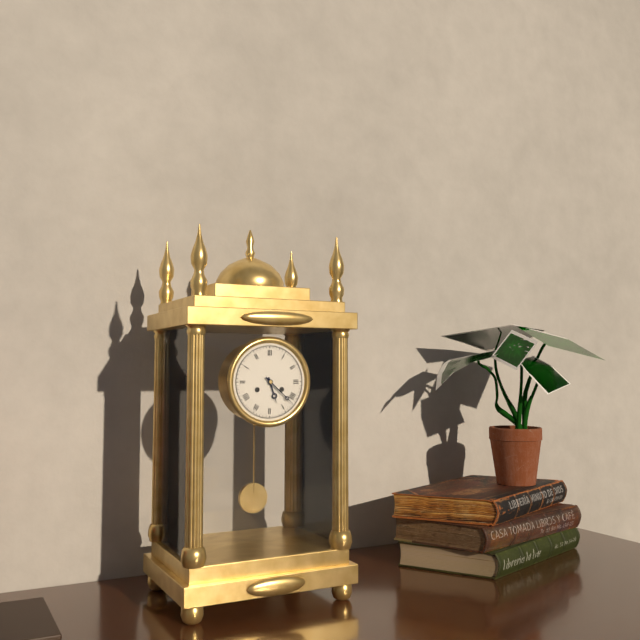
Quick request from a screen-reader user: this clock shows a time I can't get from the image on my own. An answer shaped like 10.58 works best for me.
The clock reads 5.22
